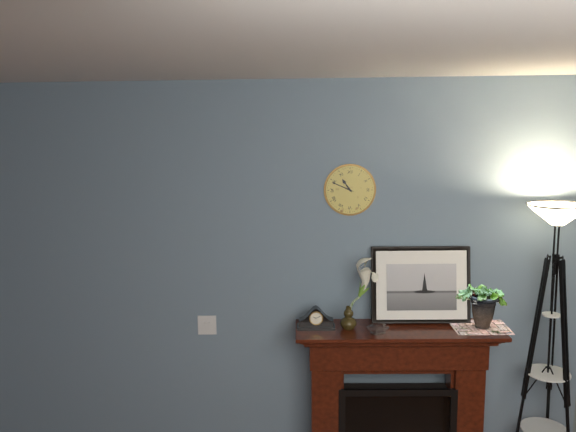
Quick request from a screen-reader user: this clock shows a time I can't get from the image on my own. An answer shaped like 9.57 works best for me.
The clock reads 10.49
